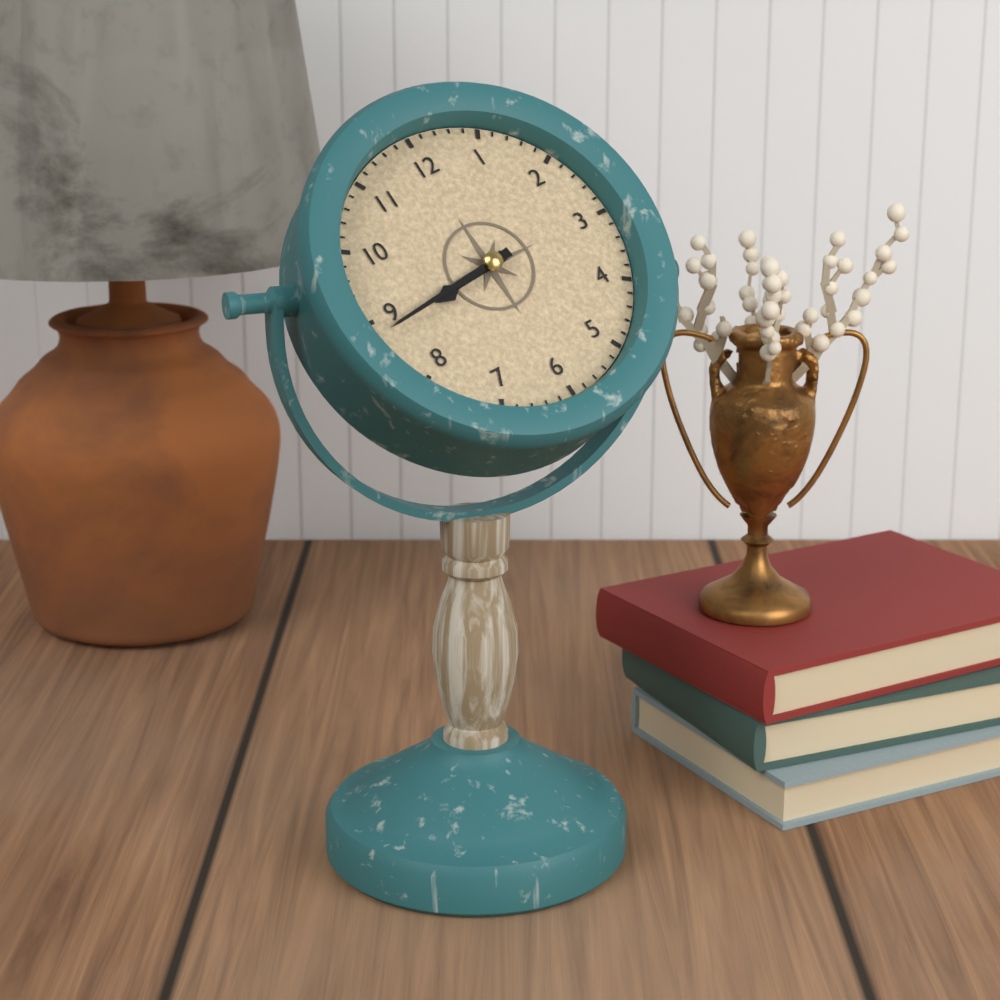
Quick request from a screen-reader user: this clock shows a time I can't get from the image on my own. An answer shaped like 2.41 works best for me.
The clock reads 8.44
